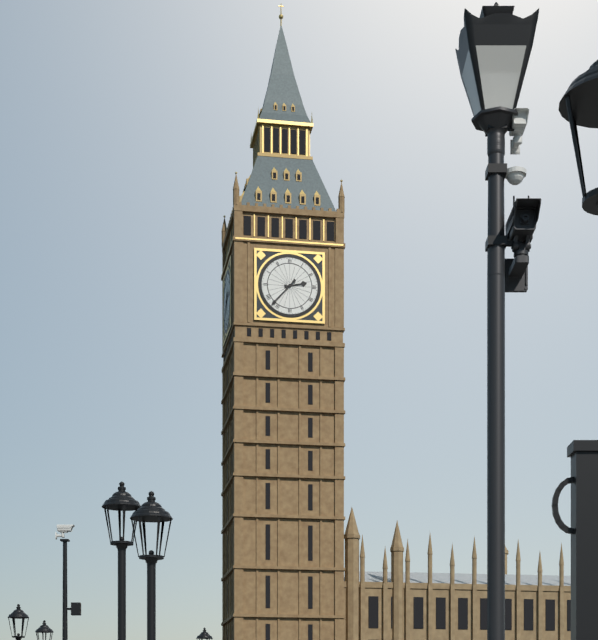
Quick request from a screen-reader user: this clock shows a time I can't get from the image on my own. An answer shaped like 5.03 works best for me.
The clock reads 2.37
